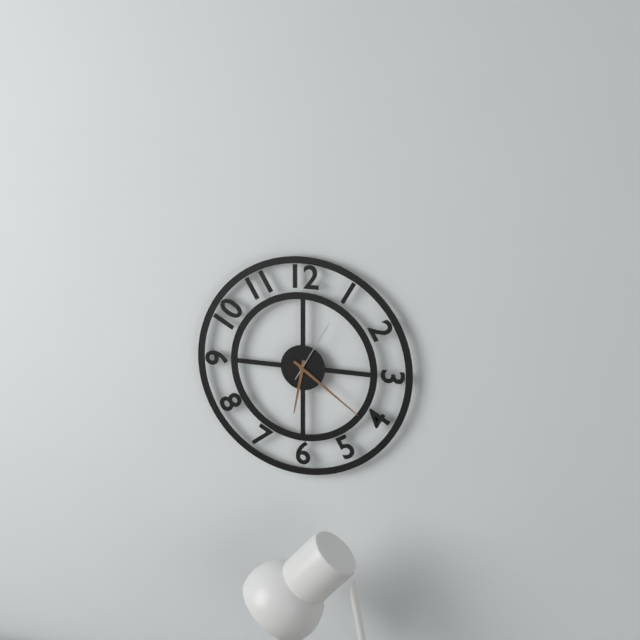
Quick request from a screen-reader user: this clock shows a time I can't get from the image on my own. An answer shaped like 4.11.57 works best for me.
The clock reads 6.21.05
